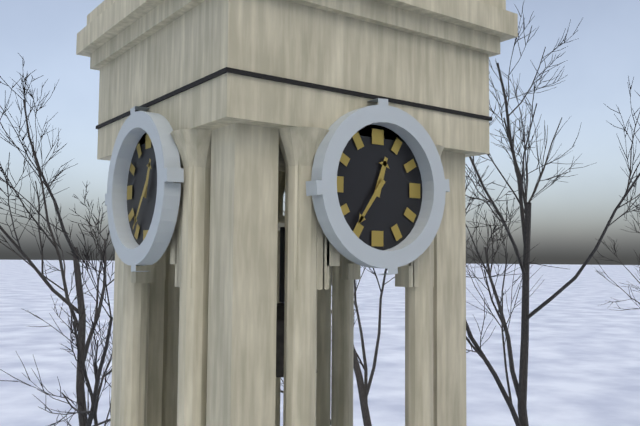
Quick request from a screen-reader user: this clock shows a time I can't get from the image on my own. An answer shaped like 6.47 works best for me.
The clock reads 12.36
